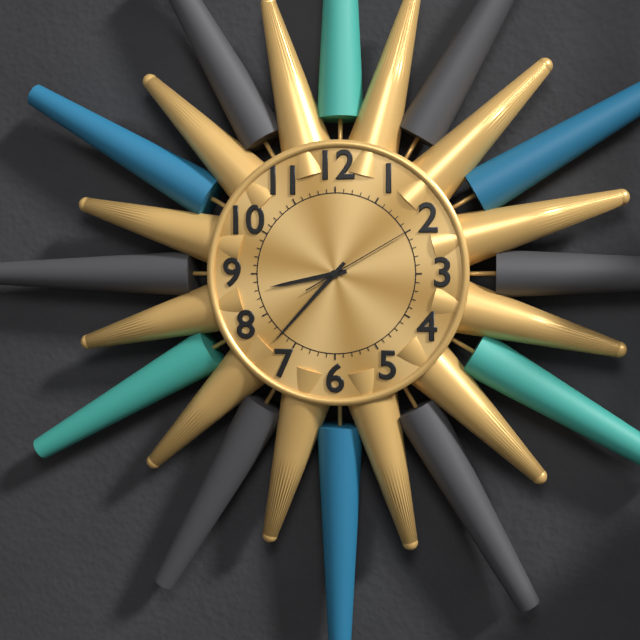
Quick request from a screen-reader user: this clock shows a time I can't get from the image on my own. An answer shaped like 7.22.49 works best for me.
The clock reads 8.37.10
